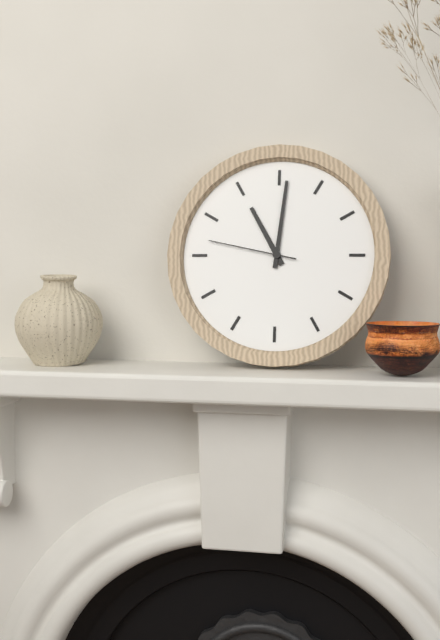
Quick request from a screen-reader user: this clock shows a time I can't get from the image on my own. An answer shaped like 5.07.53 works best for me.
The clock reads 11.01.47
